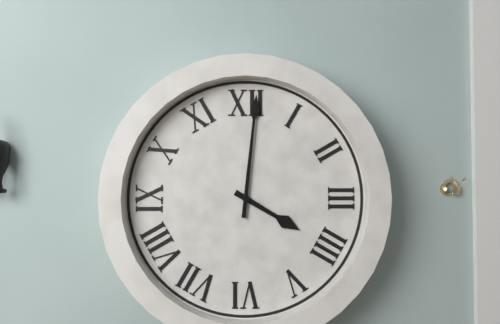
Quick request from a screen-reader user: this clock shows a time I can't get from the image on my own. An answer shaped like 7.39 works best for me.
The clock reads 4.01
